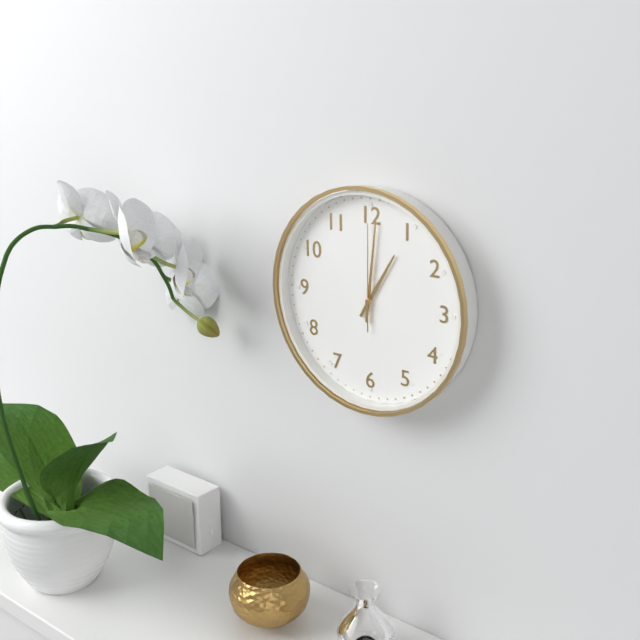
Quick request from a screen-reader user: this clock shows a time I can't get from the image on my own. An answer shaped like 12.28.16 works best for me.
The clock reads 1.01.00
